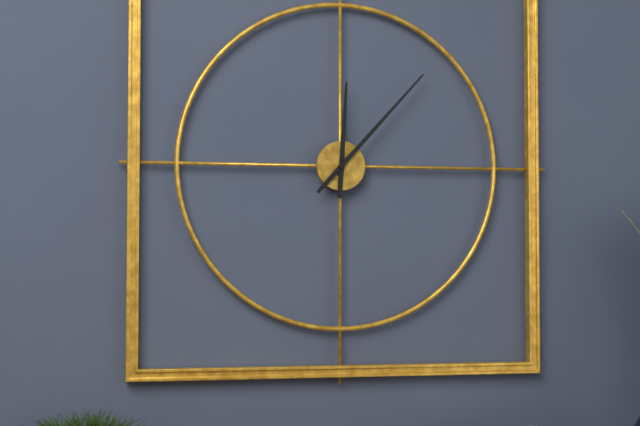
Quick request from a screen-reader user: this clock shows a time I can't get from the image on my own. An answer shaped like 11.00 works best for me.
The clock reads 12.07
